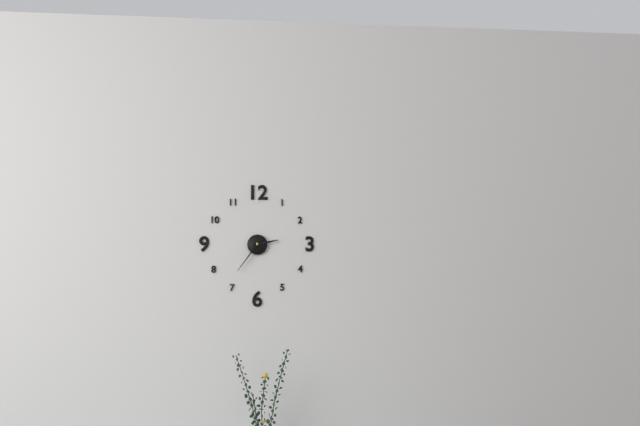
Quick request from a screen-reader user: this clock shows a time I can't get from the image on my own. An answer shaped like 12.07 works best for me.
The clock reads 2.36
